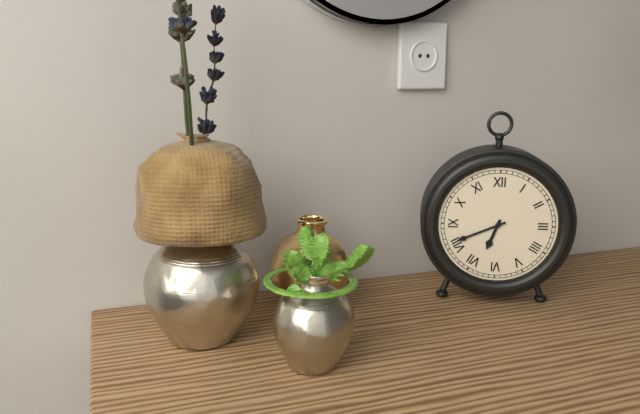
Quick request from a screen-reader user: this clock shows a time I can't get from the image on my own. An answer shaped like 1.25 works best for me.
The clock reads 6.41
